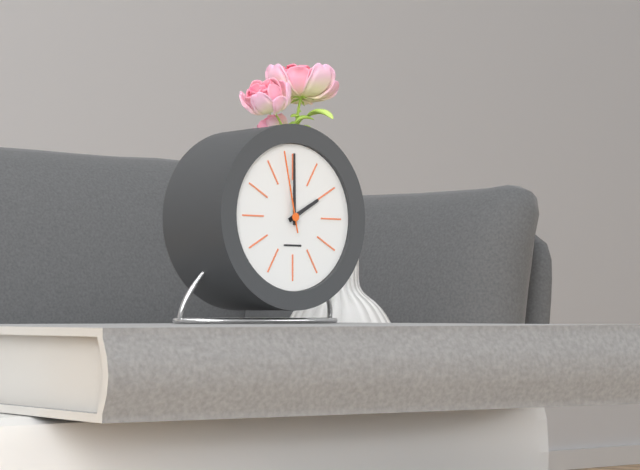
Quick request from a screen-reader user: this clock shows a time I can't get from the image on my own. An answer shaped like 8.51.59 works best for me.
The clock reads 2.00.58
